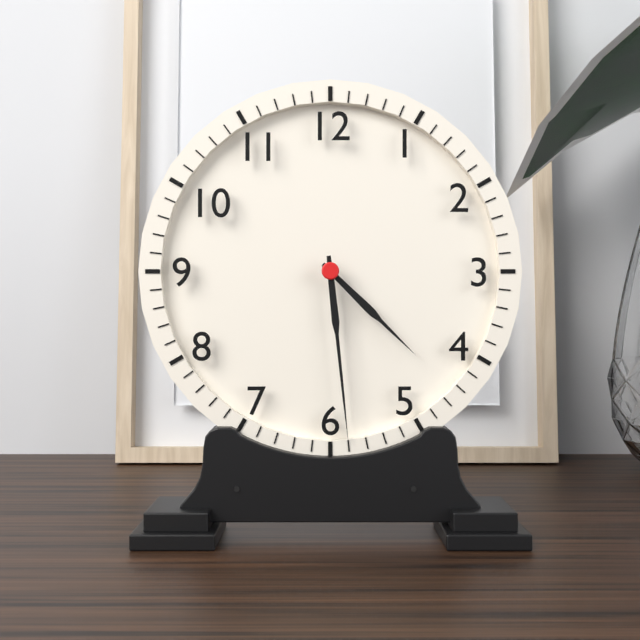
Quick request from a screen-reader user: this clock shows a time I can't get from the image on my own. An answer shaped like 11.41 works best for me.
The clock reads 4.29
